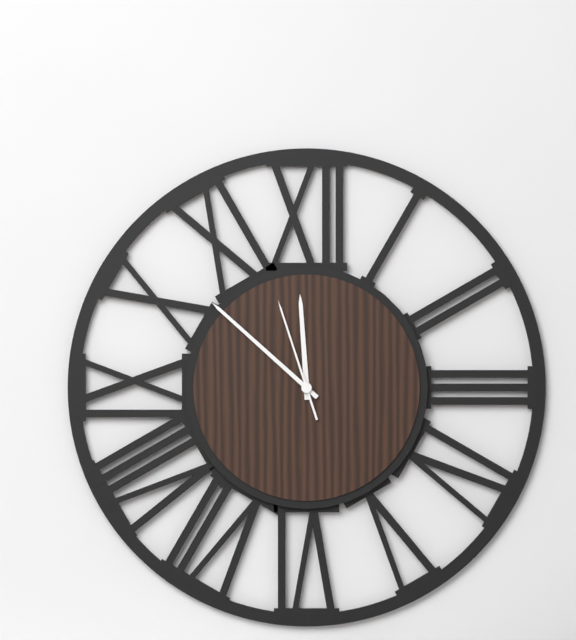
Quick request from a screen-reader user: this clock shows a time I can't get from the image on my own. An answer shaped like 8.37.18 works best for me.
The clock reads 11.52.57
